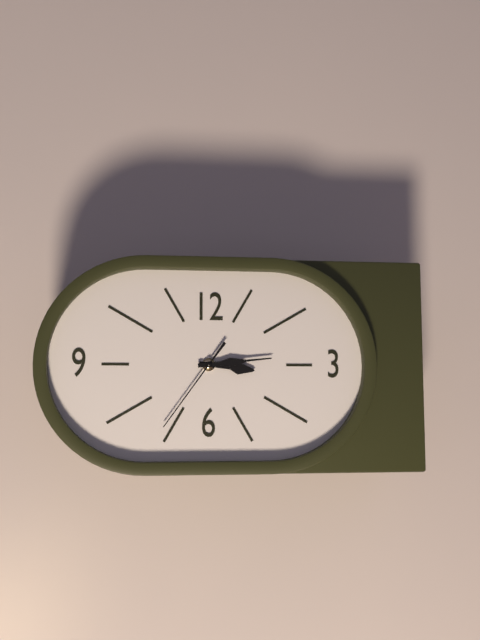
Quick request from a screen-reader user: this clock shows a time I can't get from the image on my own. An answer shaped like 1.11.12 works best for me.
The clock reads 3.14.36
